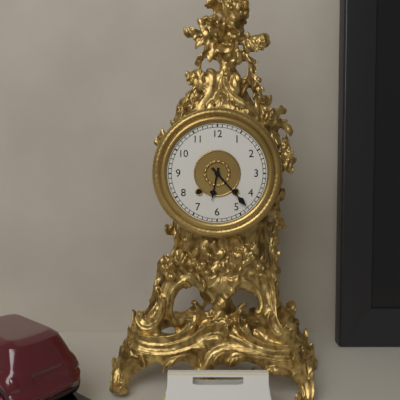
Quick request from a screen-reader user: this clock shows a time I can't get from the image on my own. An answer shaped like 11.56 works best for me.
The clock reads 6.23
